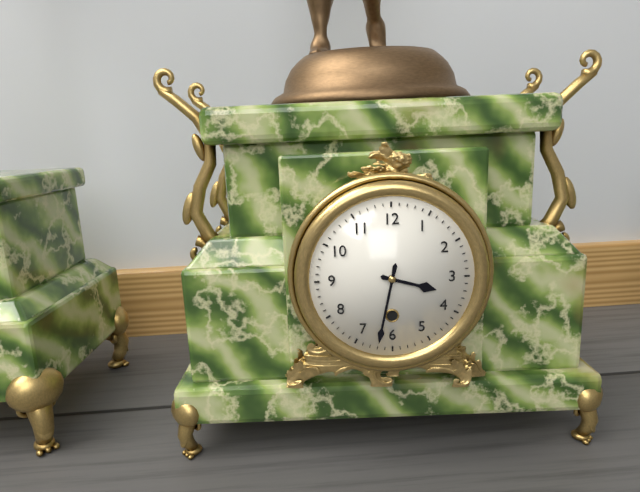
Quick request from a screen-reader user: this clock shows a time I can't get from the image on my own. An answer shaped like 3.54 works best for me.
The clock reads 3.32
